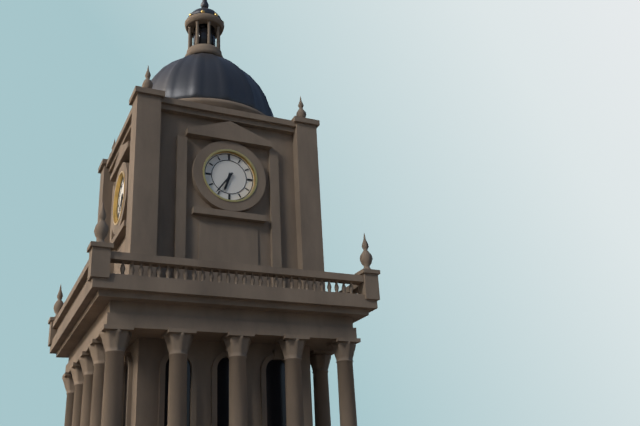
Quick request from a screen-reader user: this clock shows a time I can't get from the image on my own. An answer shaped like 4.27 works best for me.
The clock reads 6.36
